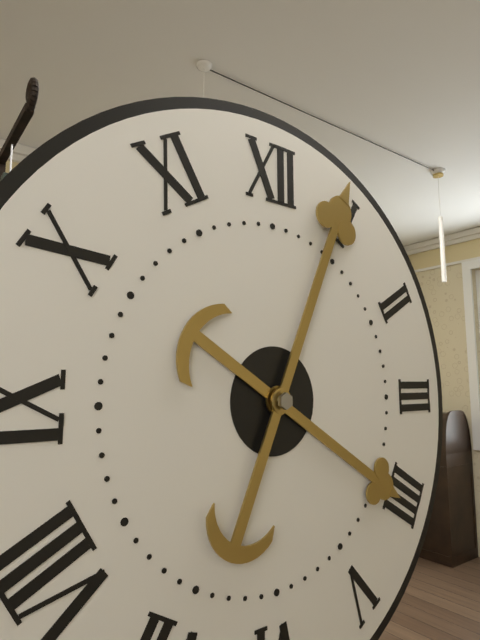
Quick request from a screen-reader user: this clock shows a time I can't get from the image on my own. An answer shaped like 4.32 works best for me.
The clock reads 4.04
